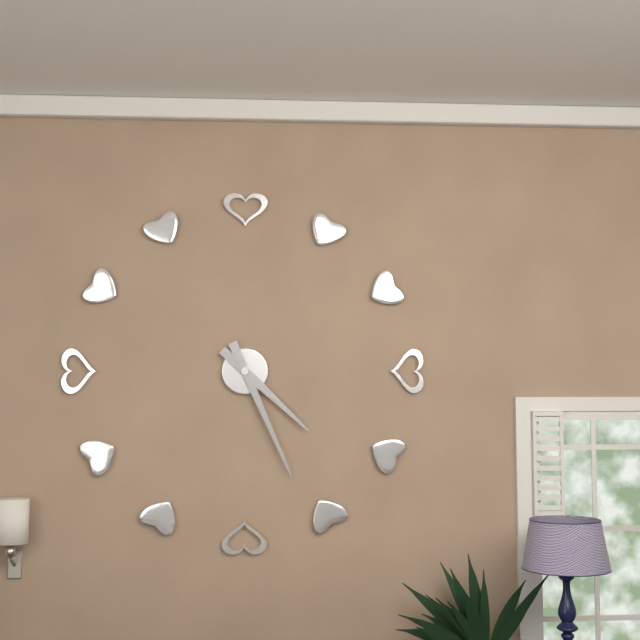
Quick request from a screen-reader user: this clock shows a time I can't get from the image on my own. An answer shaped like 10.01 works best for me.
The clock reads 4.26
